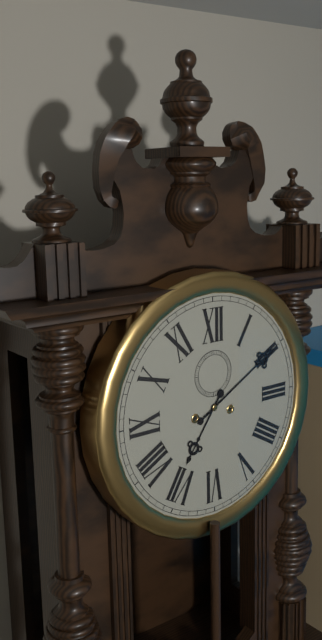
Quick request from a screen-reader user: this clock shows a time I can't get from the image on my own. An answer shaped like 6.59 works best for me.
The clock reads 7.10
